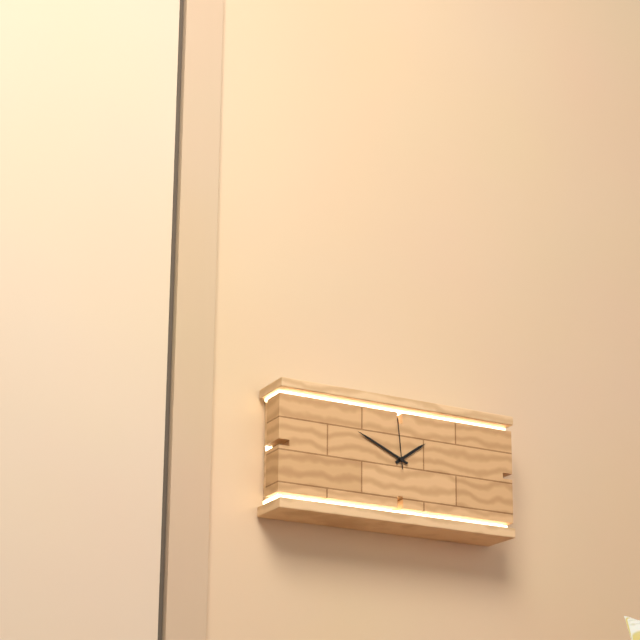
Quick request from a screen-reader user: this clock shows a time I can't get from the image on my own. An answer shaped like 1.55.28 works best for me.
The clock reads 1.49.59
